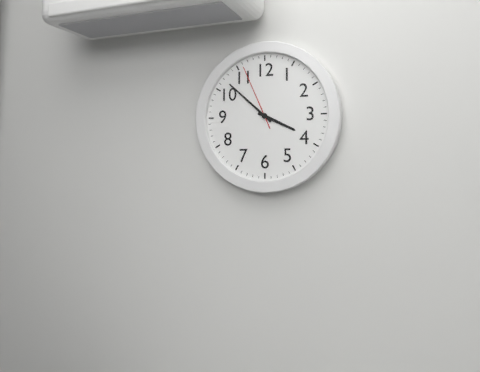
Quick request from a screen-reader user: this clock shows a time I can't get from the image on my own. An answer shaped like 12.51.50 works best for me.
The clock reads 3.52.56
